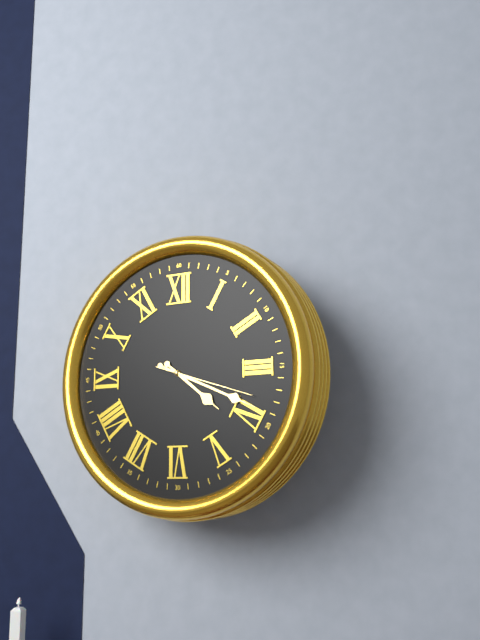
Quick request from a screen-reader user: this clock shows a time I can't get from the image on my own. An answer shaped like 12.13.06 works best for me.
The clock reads 4.19.18
